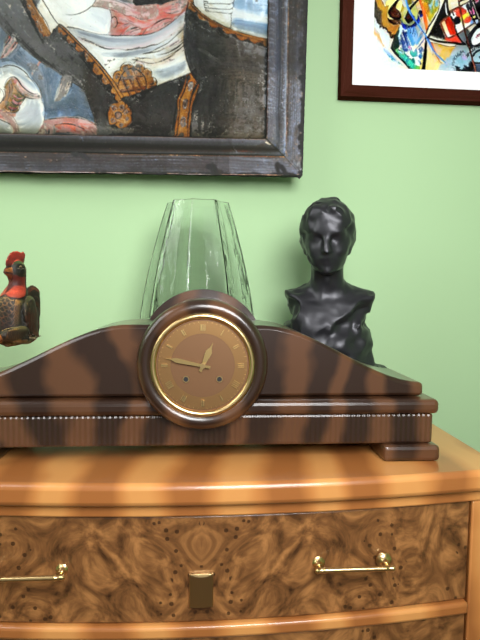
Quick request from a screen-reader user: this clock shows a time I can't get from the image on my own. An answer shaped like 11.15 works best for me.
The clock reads 12.47
